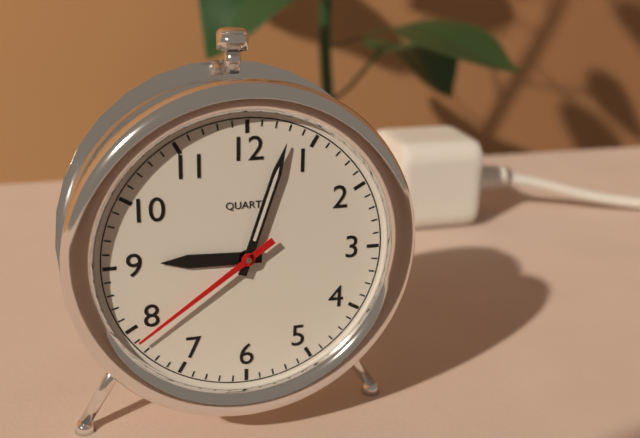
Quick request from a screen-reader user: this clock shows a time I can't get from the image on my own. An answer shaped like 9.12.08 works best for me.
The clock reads 9.03.39
